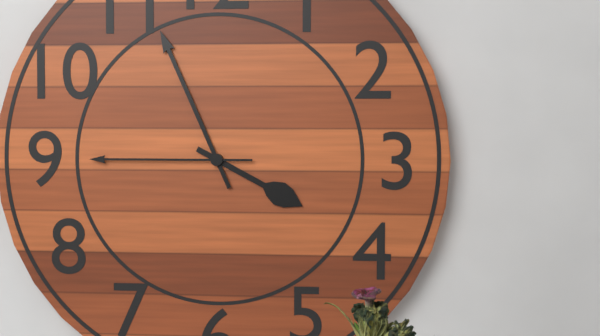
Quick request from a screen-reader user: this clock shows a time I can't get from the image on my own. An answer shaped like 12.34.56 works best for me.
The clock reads 3.56.45
